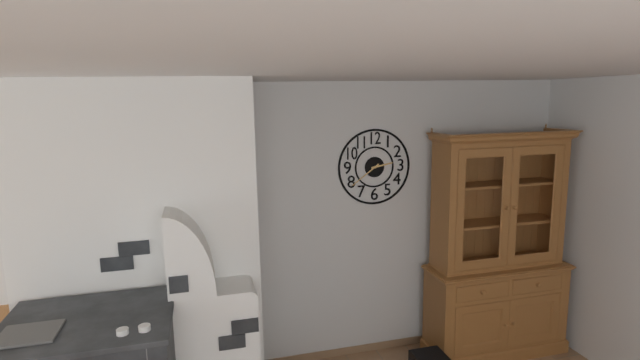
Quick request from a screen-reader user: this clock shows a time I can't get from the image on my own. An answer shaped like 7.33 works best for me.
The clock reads 2.39
